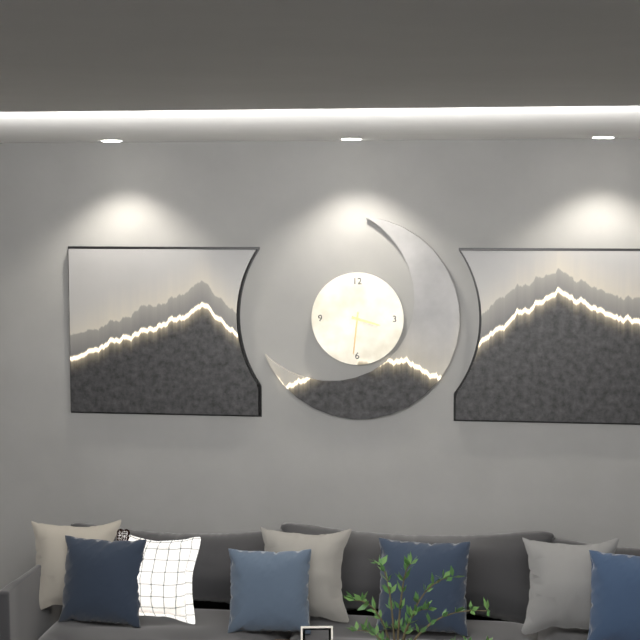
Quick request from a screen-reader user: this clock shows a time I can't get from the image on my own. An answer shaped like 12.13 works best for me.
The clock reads 3.31
